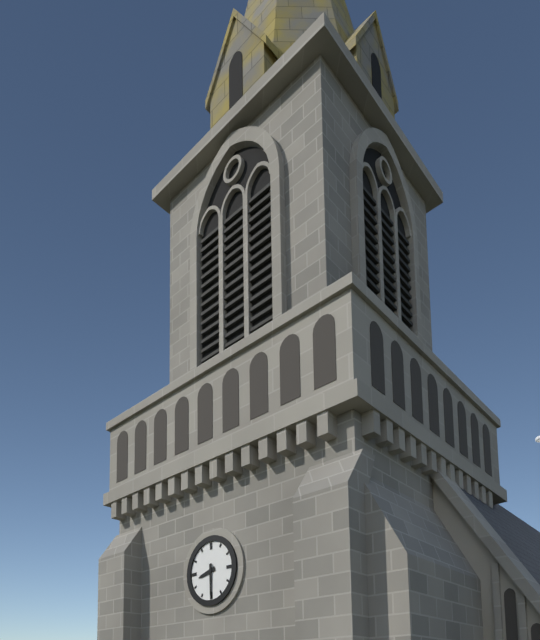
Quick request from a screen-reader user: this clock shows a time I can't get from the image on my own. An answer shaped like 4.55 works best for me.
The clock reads 8.30
